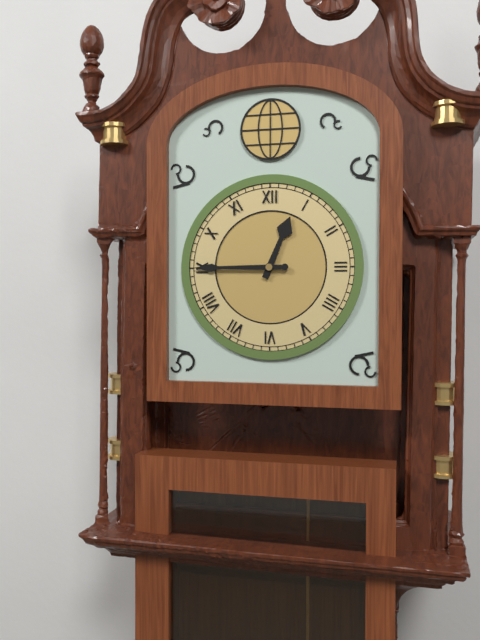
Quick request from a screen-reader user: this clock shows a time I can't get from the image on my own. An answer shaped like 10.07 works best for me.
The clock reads 12.45
